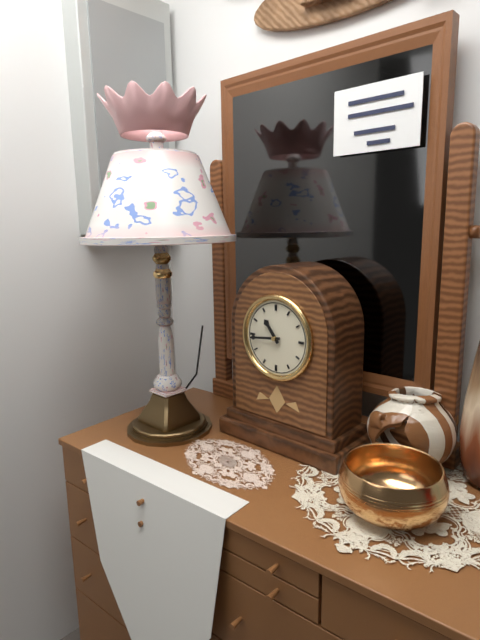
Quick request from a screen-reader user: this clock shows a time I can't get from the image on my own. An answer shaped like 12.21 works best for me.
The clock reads 10.44
